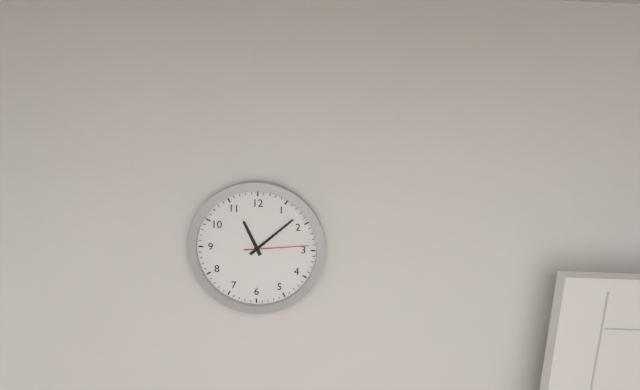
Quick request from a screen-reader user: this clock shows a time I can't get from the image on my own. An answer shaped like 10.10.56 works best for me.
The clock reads 11.08.14
